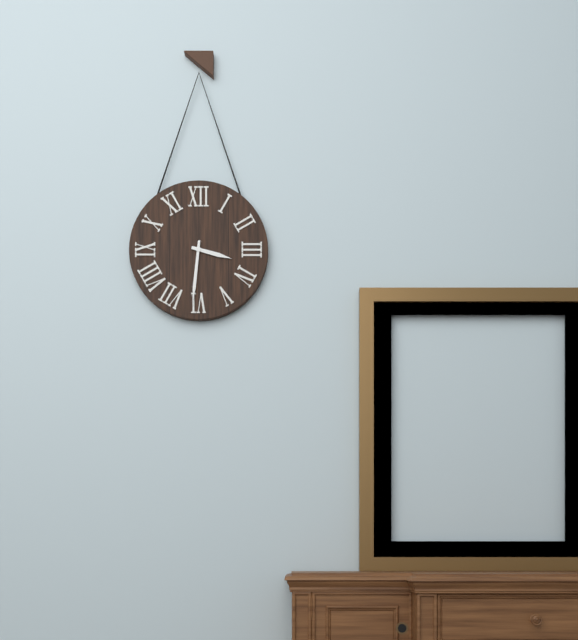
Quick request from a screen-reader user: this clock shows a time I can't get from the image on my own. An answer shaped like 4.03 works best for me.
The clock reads 3.31
